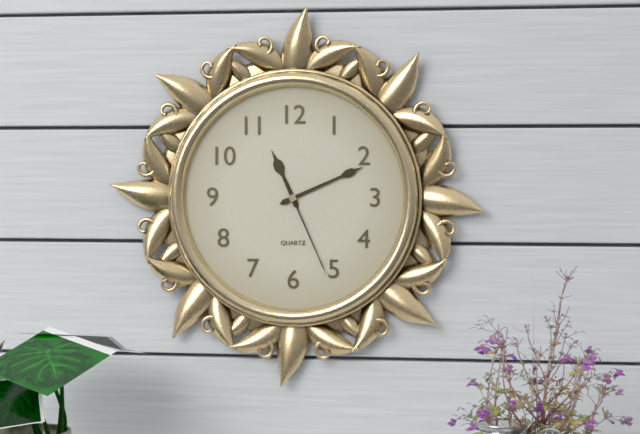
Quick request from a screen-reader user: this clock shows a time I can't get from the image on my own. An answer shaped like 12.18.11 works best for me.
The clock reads 11.11.26
